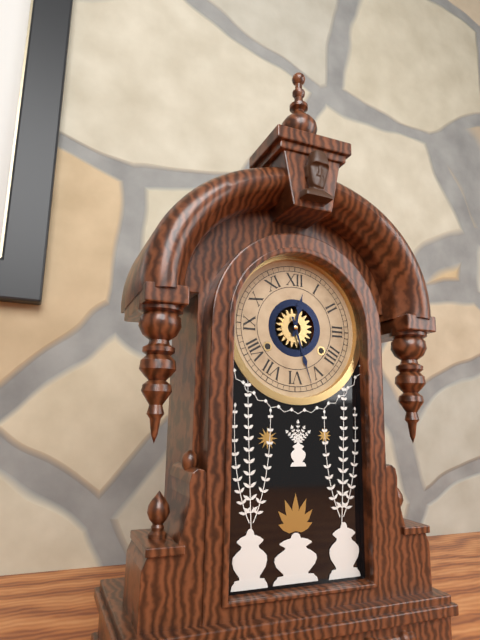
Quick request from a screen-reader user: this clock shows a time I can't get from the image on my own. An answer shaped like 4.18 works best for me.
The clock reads 12.27
